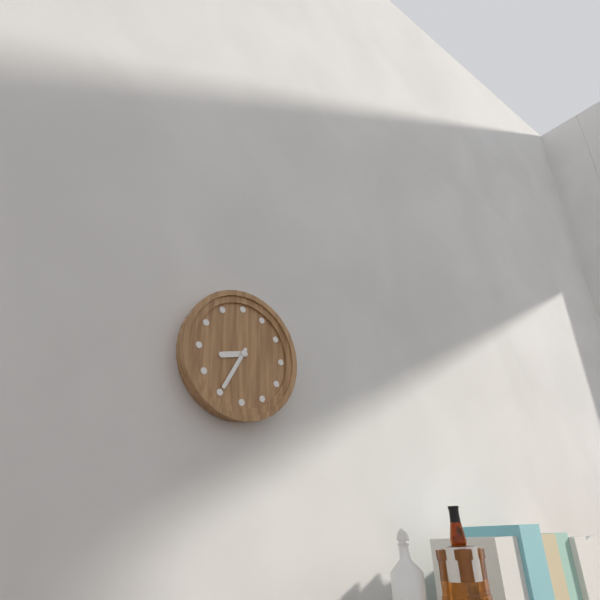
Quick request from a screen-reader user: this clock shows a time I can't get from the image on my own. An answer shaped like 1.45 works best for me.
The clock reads 8.35
